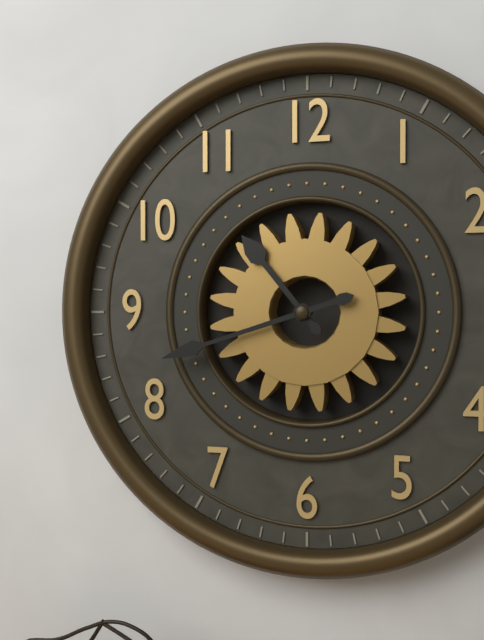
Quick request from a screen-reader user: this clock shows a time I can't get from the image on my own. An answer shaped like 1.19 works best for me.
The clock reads 10.42
